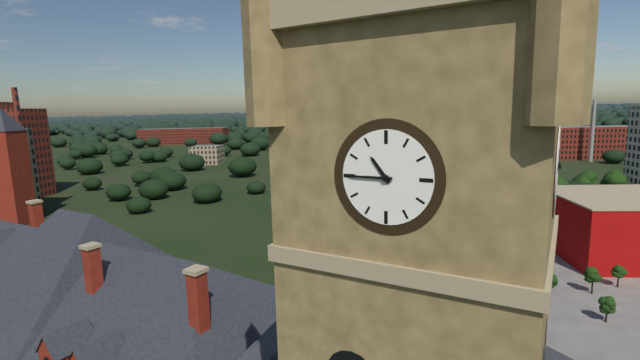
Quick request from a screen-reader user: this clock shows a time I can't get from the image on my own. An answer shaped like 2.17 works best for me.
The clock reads 10.45
